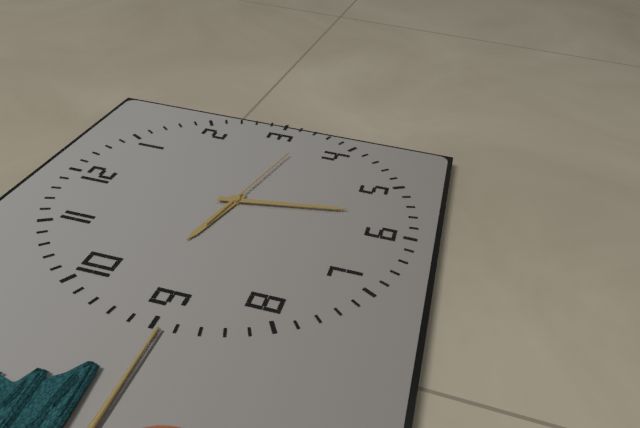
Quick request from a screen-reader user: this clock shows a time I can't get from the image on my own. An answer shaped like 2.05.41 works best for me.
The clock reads 9.28.17
